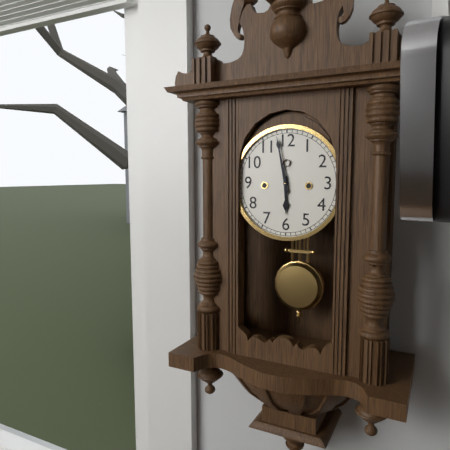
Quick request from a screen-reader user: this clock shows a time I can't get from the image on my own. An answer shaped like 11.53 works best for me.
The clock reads 5.58
